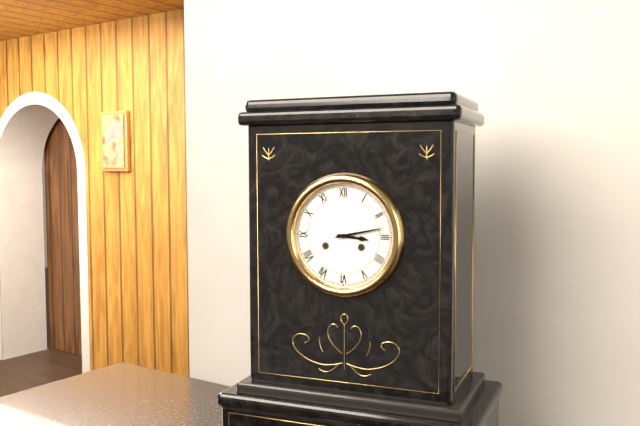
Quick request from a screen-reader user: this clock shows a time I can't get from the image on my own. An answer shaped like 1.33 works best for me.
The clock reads 3.13
